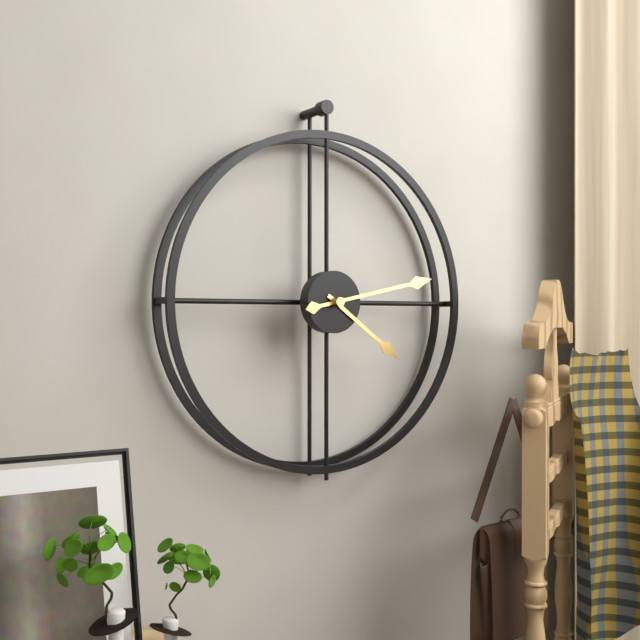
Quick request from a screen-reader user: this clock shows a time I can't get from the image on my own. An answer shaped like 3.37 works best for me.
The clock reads 4.13
